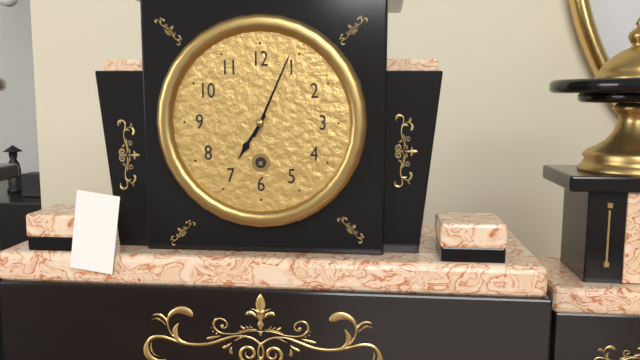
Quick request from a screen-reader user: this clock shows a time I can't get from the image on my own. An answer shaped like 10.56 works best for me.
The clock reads 7.04
